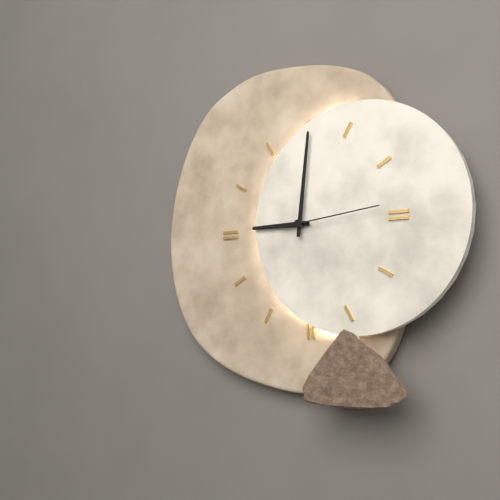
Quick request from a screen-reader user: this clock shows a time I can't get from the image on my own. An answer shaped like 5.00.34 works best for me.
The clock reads 9.01.14
